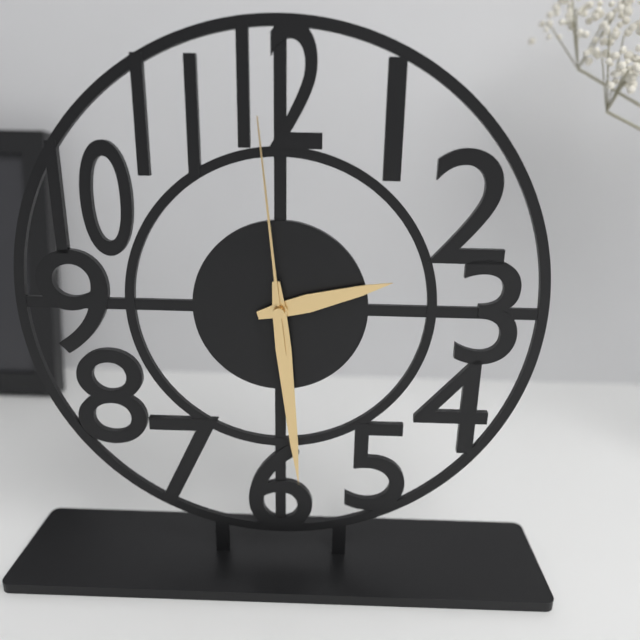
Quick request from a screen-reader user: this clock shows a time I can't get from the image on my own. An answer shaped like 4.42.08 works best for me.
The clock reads 2.29.59
